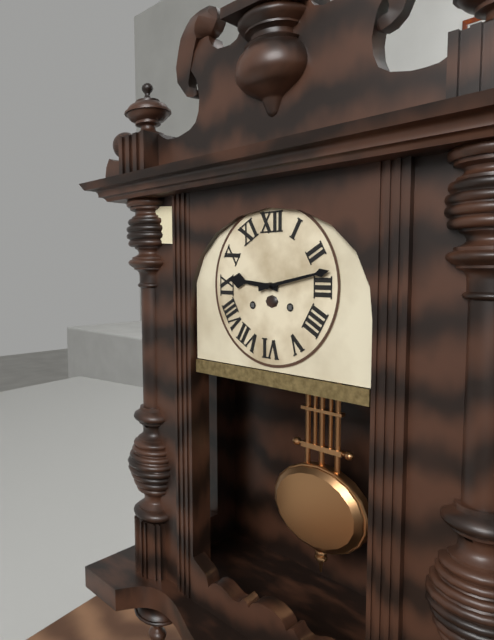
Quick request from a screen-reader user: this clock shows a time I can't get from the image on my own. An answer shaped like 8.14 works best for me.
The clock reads 9.13
